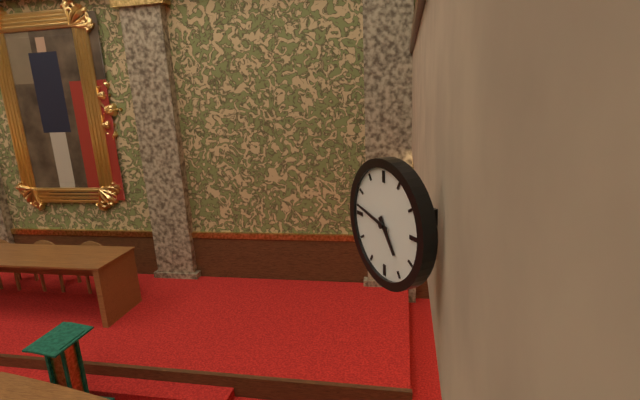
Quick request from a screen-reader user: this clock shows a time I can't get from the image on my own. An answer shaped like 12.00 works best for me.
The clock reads 4.47
